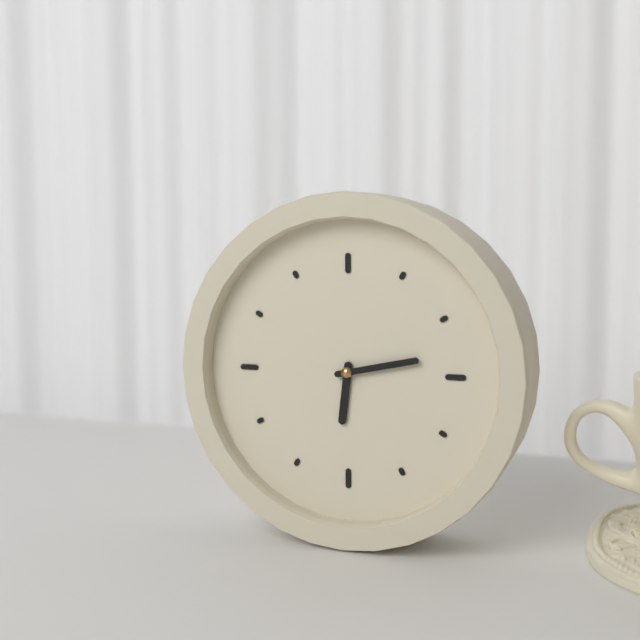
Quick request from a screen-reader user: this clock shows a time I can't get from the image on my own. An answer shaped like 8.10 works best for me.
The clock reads 6.13
